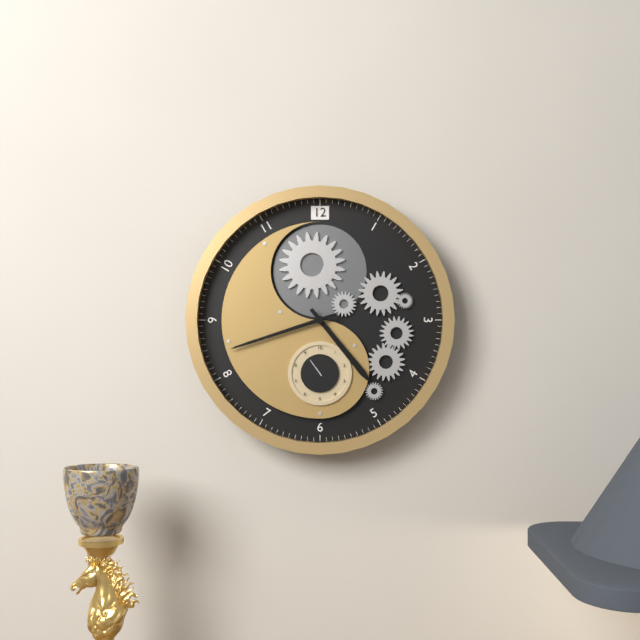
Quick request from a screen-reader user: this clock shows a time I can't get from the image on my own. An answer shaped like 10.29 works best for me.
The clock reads 4.42
